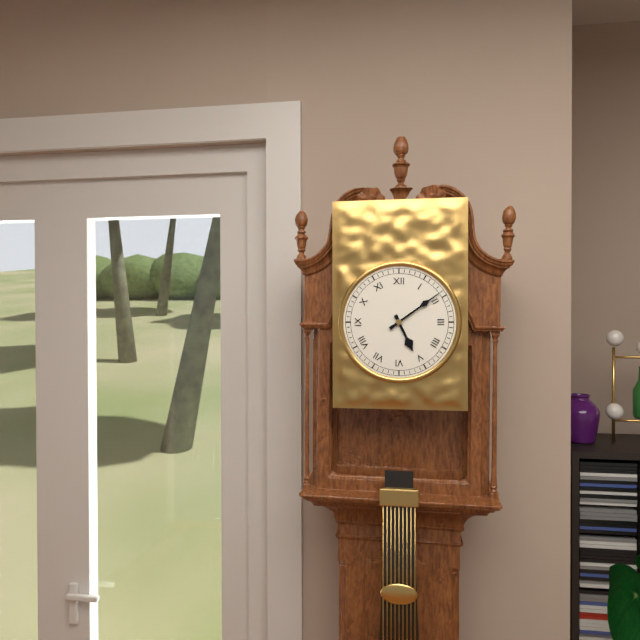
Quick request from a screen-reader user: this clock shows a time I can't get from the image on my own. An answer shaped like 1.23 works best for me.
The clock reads 5.09
